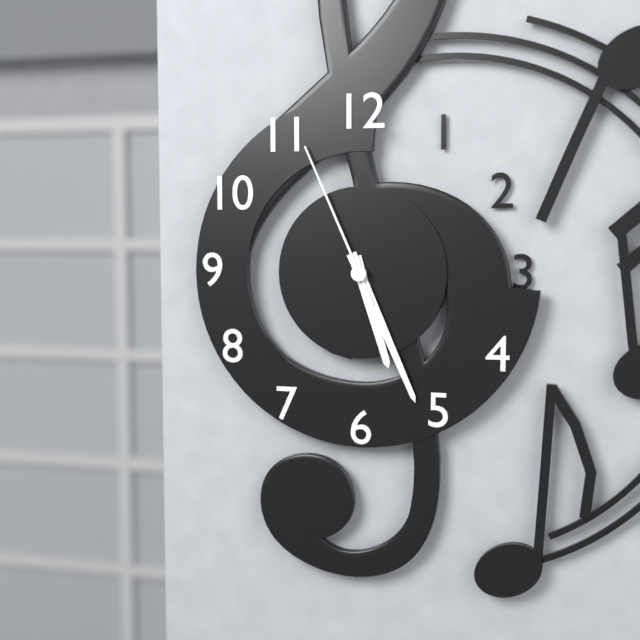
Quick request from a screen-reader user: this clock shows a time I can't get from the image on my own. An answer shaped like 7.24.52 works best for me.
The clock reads 5.26.56
